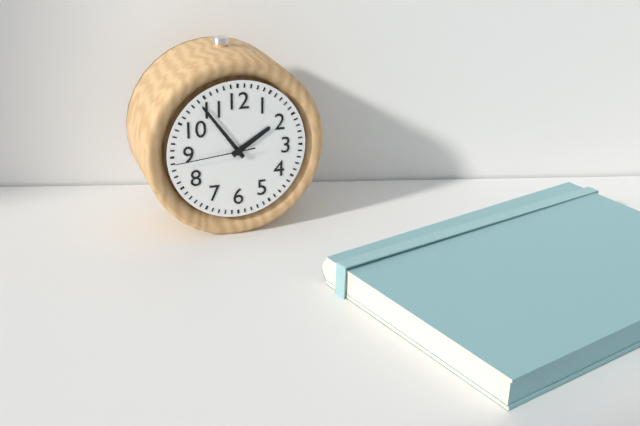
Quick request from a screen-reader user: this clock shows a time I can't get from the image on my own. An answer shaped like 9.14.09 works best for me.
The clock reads 1.54.44
